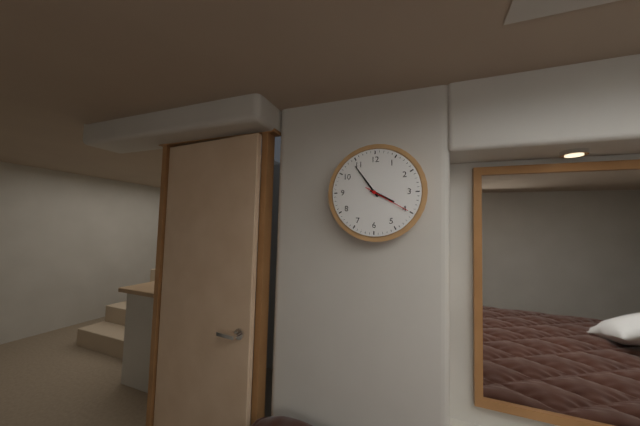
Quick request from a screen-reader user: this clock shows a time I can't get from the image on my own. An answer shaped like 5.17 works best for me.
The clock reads 3.54
